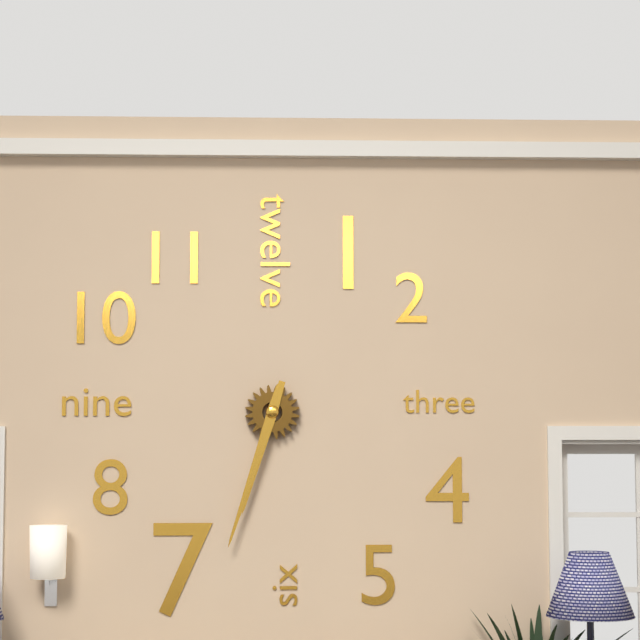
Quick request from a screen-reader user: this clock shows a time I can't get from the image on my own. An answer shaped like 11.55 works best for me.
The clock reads 6.33
